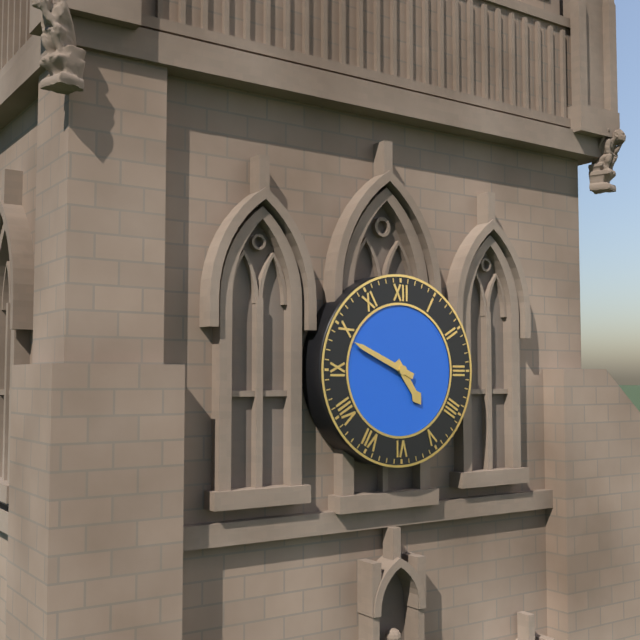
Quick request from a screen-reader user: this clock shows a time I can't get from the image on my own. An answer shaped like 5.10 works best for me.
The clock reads 4.49
